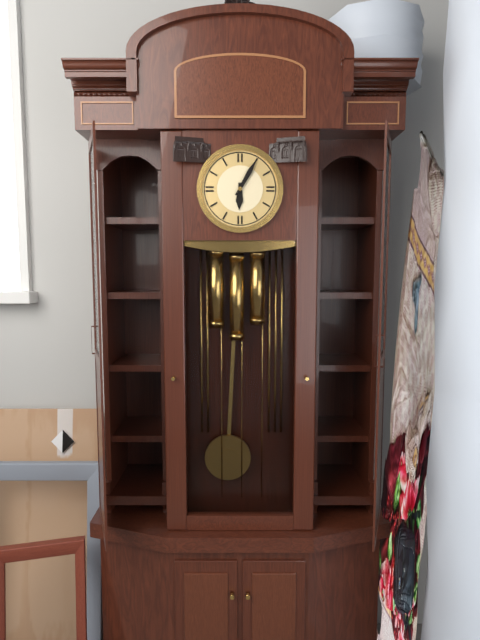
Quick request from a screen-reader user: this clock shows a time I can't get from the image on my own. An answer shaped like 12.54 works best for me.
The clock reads 6.05
